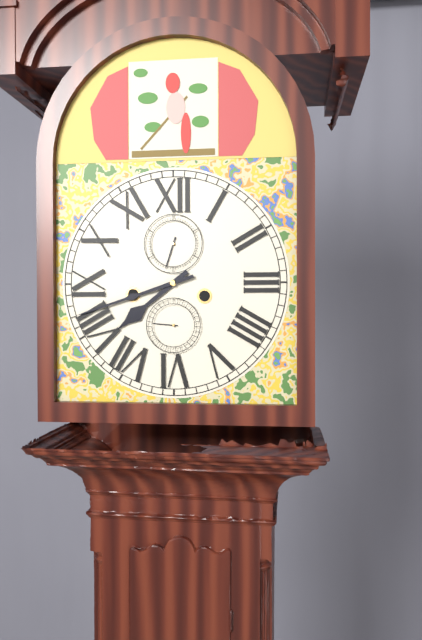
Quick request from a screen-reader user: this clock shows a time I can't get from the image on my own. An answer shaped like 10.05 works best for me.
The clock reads 7.42
